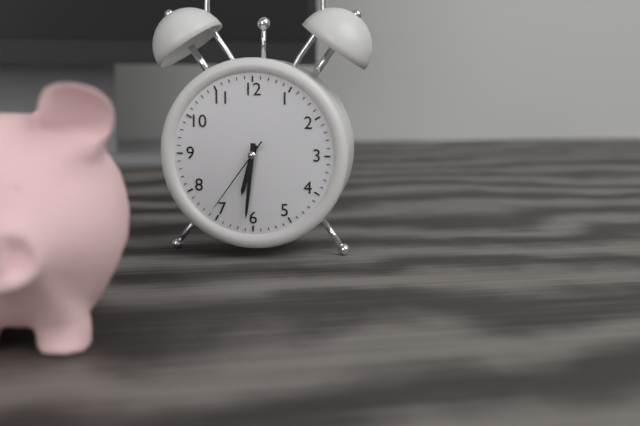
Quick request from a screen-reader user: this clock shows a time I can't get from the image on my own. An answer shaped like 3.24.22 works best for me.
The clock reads 6.31.36
